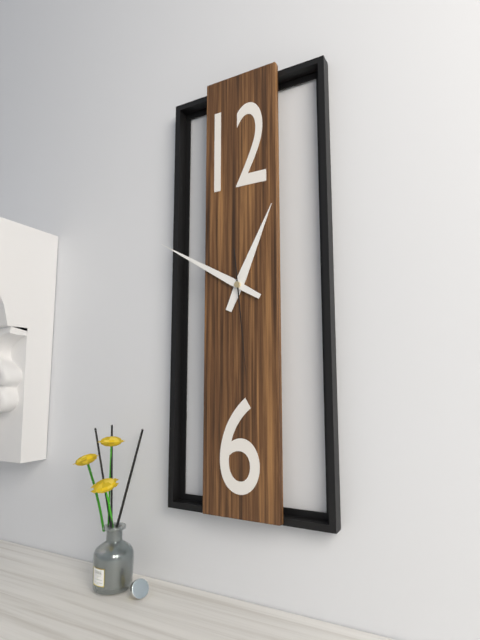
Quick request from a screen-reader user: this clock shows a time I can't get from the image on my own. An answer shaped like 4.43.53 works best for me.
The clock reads 12.50.29
